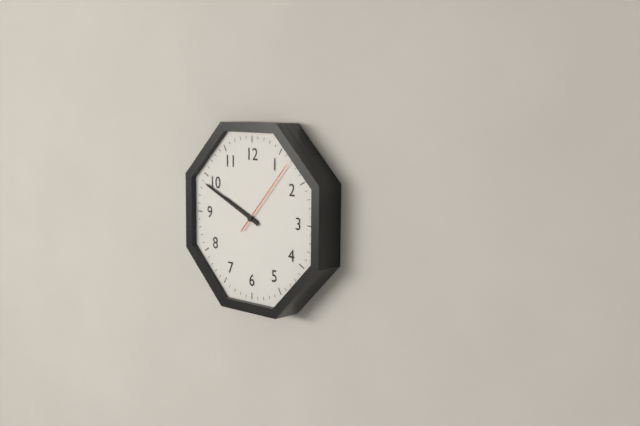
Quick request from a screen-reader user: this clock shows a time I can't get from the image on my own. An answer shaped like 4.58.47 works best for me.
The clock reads 9.49.07
